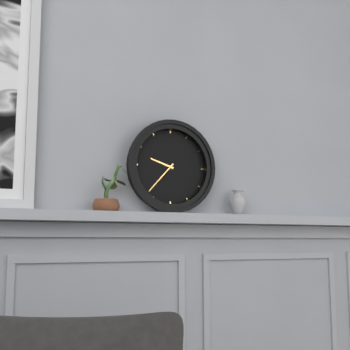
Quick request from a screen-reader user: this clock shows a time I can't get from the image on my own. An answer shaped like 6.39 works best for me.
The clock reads 9.37
